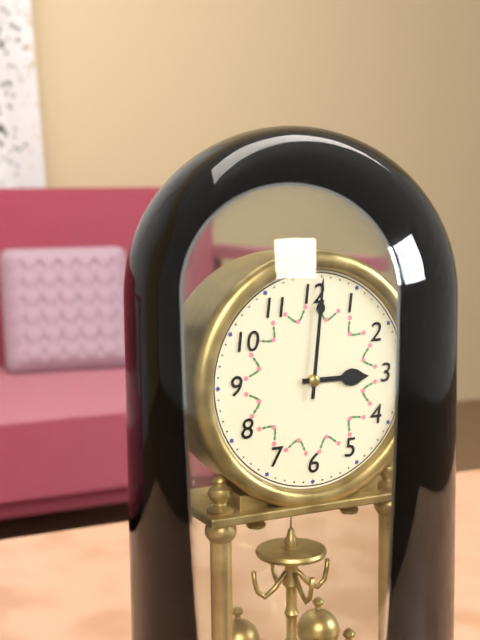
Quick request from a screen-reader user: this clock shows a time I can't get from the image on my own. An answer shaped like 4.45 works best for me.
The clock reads 3.01
